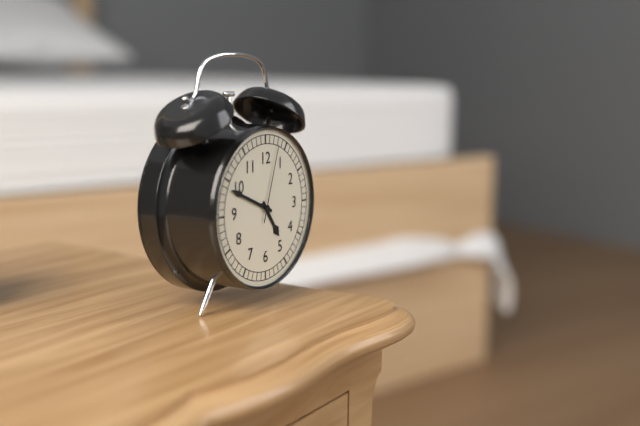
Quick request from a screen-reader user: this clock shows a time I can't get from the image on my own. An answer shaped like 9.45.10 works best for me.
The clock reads 4.49.03
